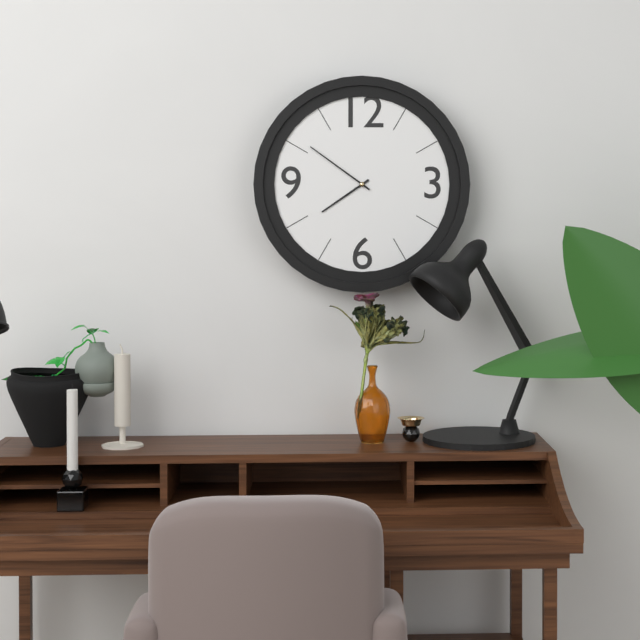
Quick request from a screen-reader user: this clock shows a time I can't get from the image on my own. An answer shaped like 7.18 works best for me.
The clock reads 7.51
